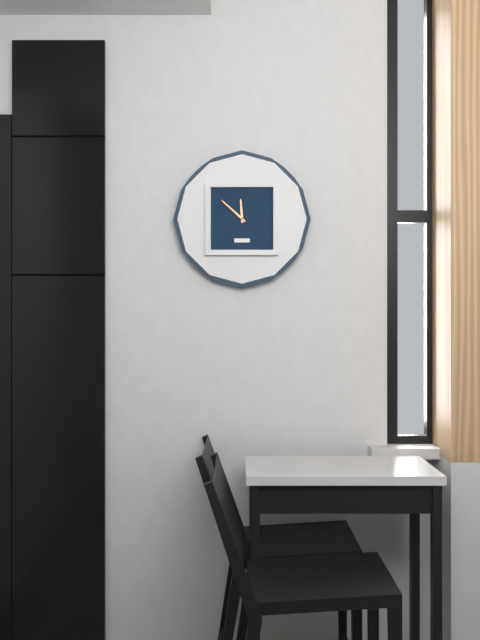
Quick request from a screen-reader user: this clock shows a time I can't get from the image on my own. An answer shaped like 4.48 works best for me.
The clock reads 11.52
